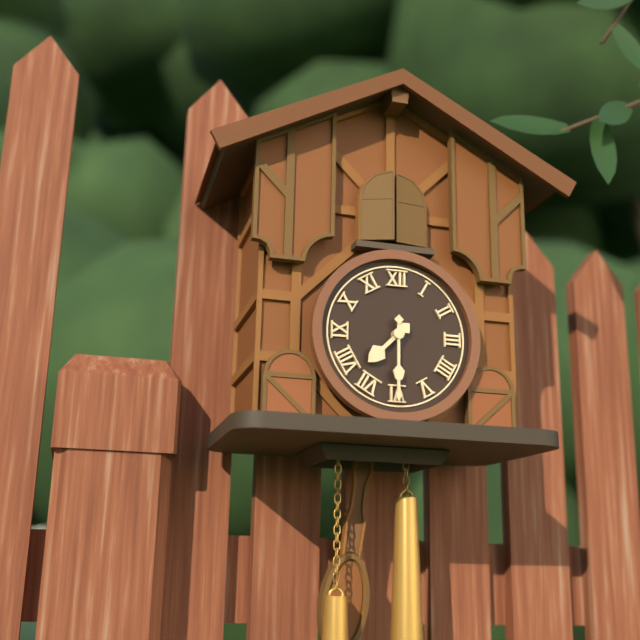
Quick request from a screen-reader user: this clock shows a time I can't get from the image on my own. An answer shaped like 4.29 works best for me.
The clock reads 7.30
